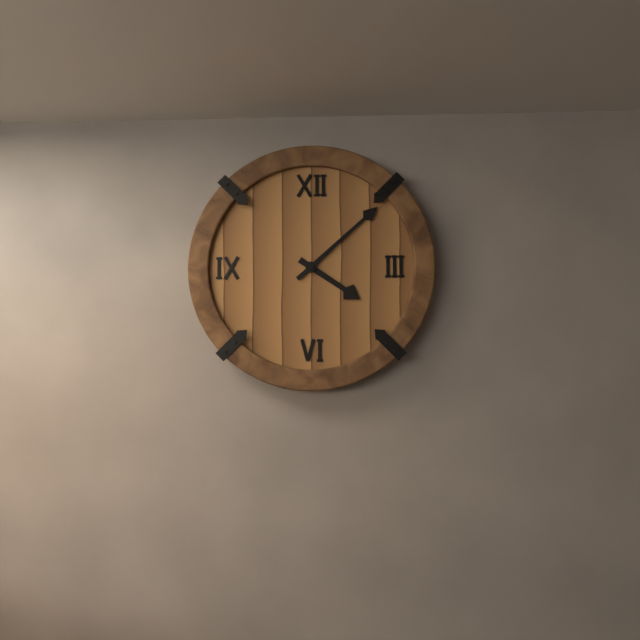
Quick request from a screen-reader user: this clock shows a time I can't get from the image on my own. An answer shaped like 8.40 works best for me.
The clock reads 4.08
